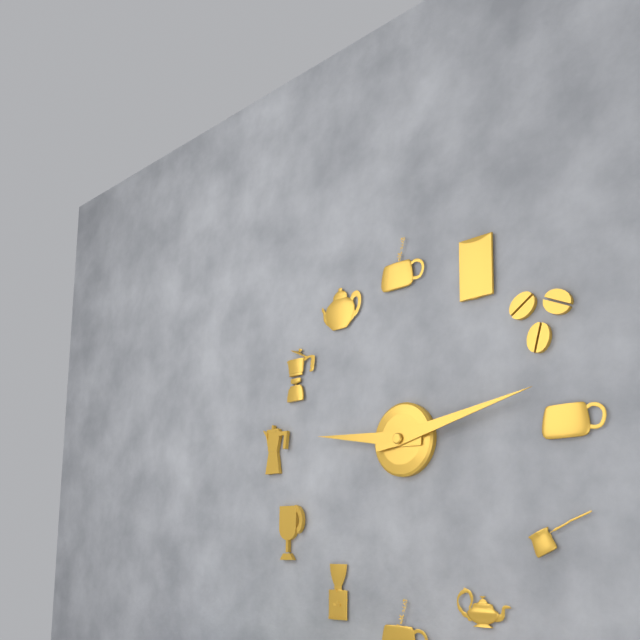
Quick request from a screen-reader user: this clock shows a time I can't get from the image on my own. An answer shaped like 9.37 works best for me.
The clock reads 9.13
